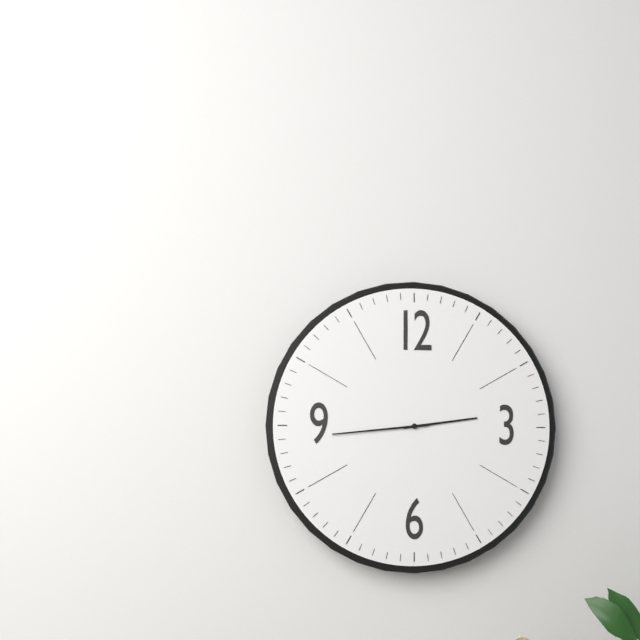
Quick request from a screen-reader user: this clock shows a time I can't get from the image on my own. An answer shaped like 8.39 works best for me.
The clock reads 2.44
